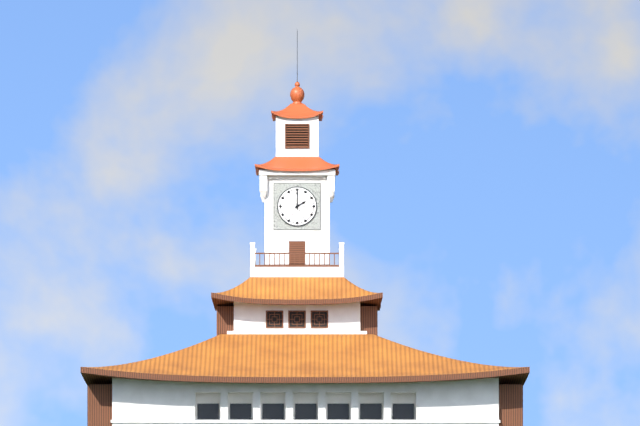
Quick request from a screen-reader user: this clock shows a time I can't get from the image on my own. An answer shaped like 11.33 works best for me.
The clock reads 2.00
